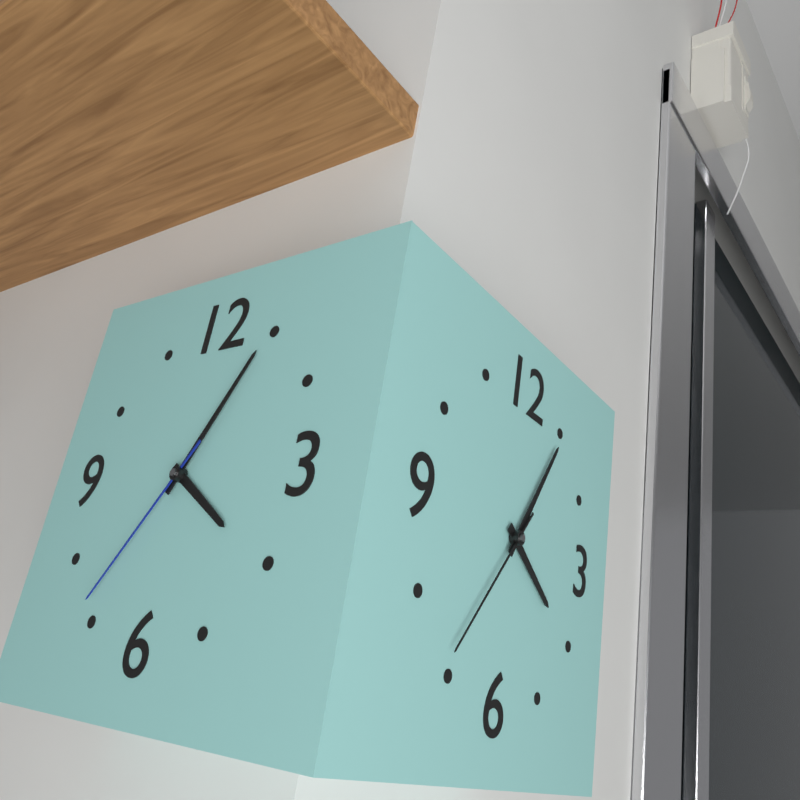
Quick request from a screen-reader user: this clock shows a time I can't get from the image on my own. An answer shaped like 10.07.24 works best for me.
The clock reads 4.05.36
